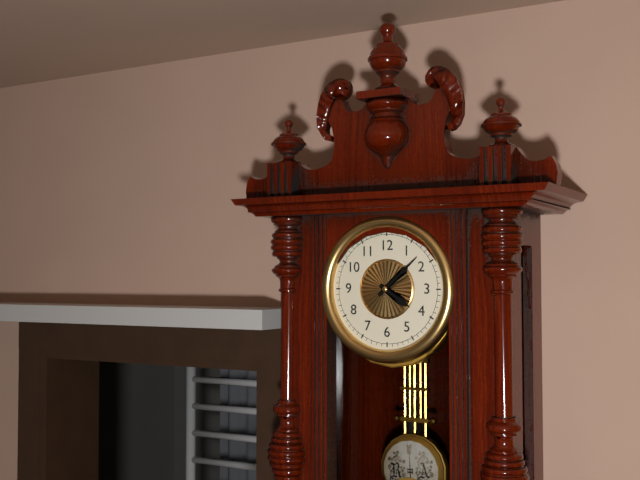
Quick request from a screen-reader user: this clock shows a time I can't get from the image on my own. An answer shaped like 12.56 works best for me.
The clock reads 4.08
